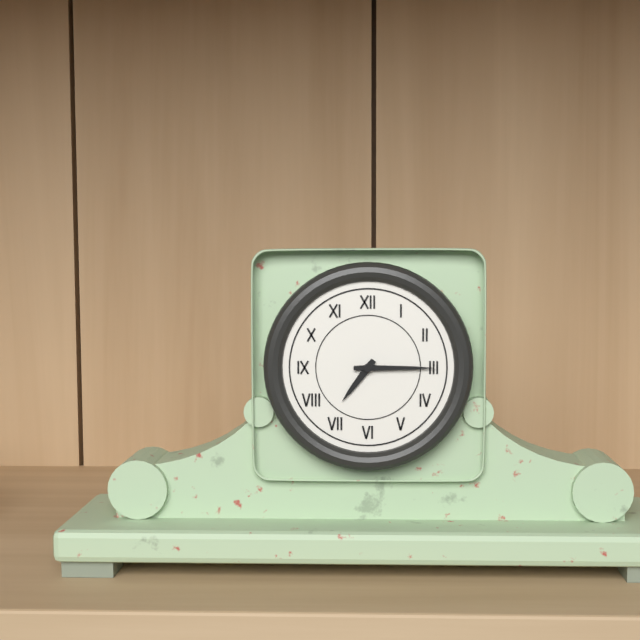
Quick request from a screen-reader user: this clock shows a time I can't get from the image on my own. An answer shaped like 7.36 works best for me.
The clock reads 7.15
